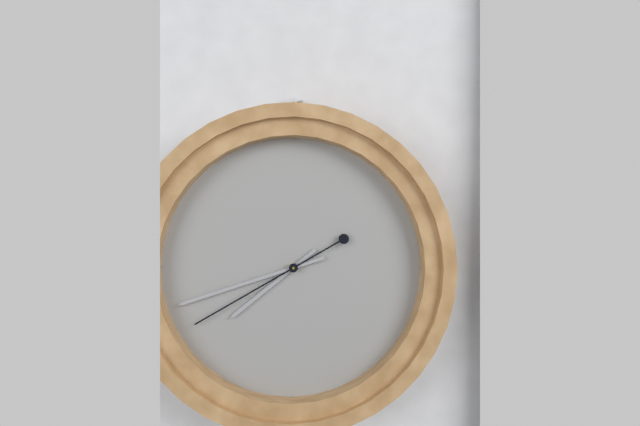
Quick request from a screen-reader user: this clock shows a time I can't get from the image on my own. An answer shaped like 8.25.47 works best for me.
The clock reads 7.42.40
